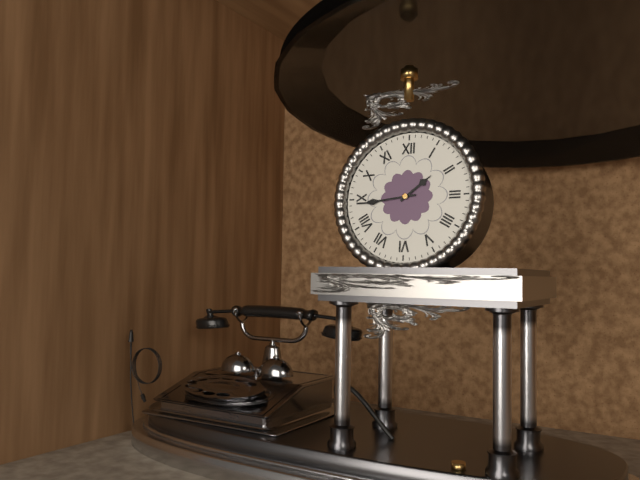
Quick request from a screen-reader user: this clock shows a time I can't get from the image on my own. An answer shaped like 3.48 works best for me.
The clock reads 1.44
